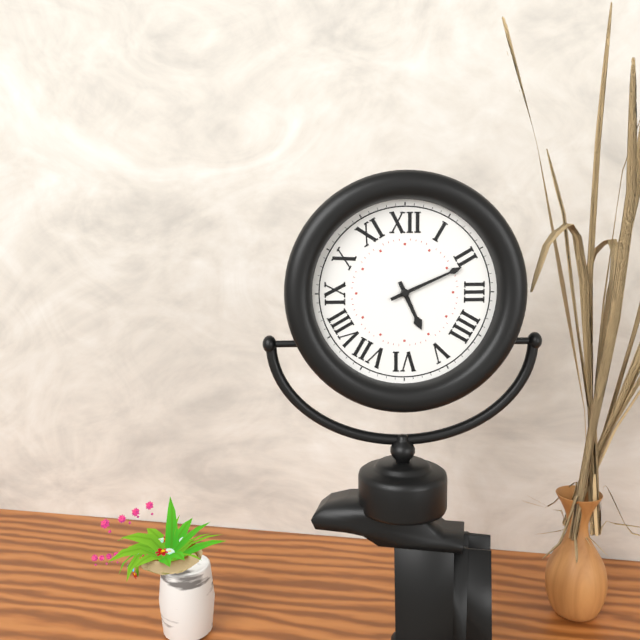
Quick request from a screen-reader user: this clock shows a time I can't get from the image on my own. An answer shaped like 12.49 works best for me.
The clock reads 5.11
